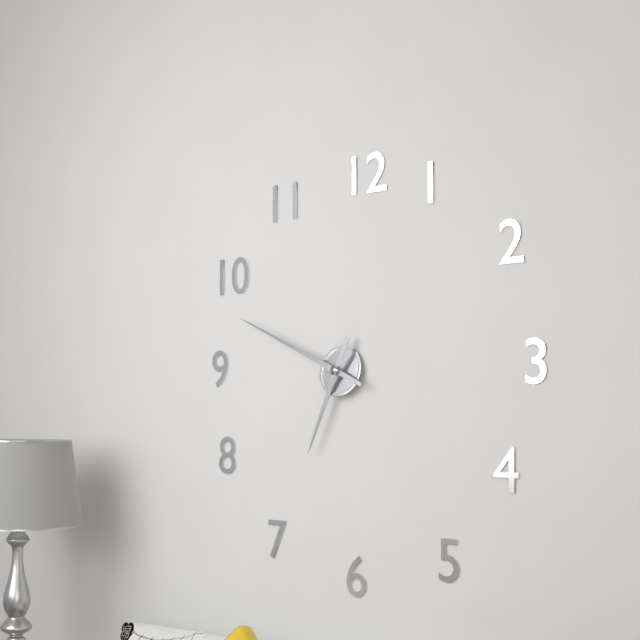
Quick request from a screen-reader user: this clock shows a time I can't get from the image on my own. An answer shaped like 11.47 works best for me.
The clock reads 6.49
